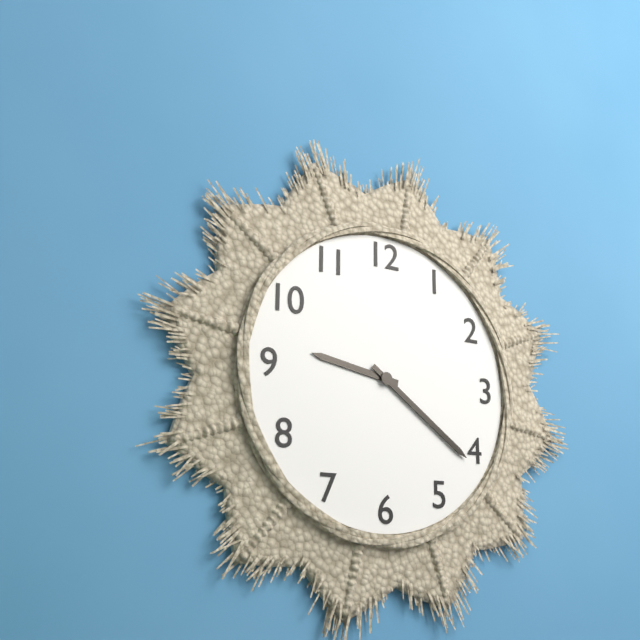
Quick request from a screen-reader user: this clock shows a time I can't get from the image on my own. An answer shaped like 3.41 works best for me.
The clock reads 9.21
